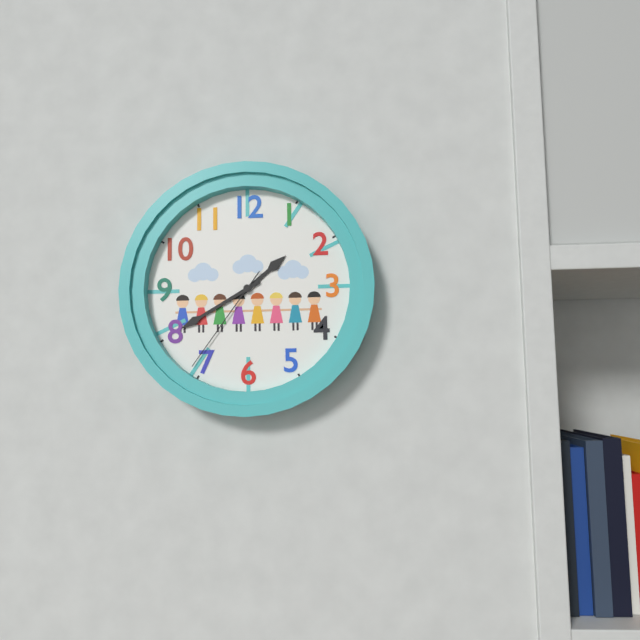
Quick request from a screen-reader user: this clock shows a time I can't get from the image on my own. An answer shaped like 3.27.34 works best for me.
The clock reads 1.40.36
